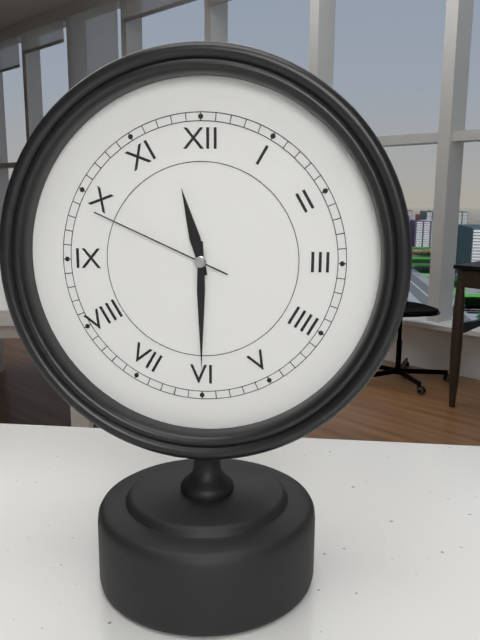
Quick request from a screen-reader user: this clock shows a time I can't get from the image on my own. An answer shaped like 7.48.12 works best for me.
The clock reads 11.30.49
